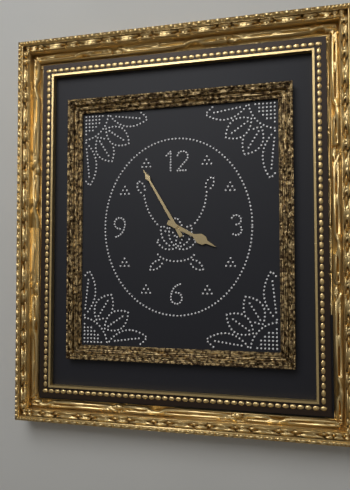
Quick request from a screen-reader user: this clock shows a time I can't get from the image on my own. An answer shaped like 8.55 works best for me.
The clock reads 3.55
